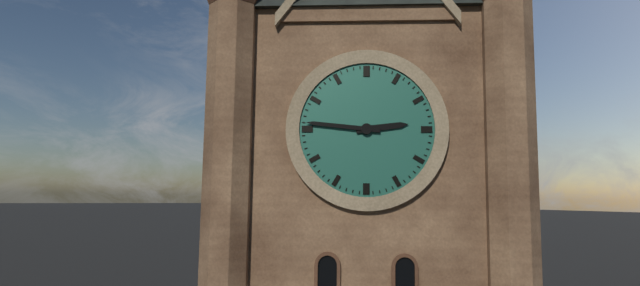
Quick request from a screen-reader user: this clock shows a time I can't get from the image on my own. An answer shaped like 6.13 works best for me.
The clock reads 2.46
